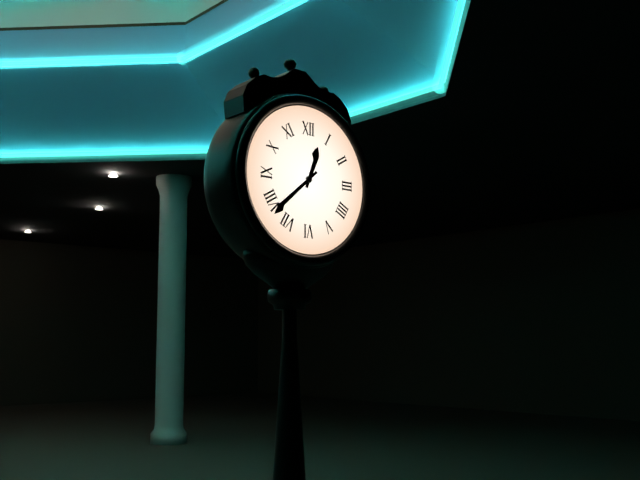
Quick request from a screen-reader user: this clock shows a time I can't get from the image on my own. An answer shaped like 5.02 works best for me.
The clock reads 12.38
